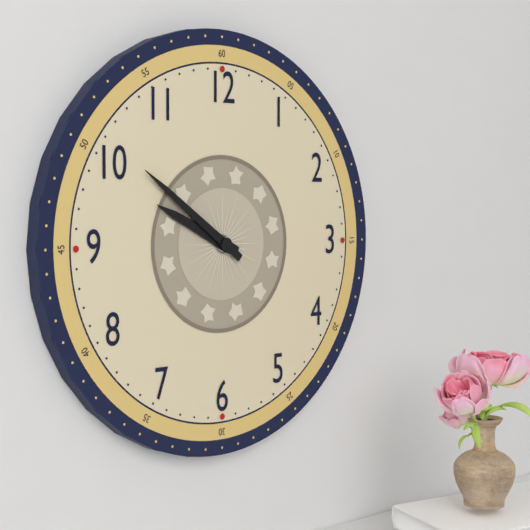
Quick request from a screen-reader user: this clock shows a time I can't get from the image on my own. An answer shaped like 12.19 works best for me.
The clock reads 9.51
